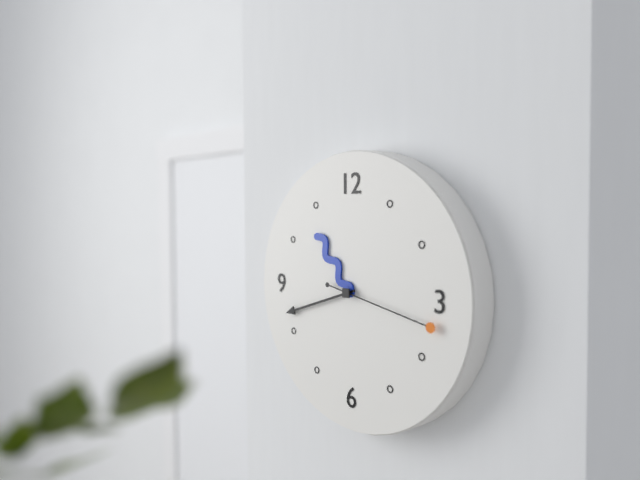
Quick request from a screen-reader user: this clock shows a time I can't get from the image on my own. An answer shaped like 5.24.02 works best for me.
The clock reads 10.42.17
